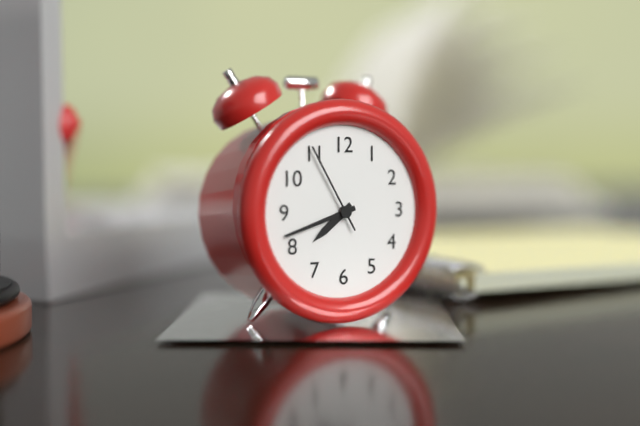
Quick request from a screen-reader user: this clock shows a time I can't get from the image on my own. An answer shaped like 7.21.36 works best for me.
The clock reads 7.42.55
